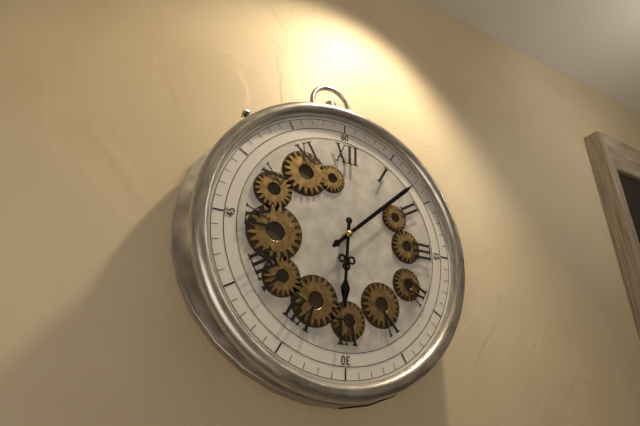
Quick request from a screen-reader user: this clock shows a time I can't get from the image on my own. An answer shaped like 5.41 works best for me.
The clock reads 6.08
